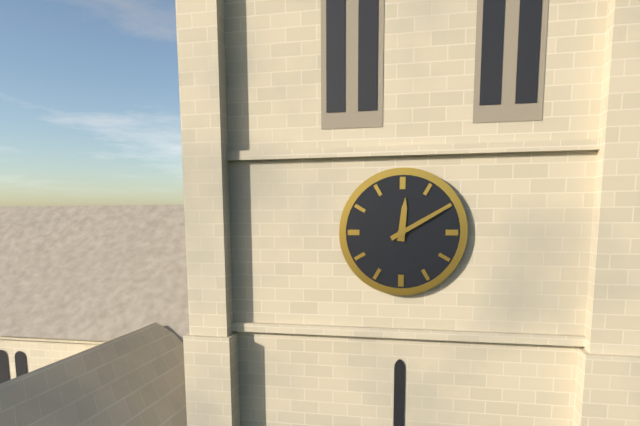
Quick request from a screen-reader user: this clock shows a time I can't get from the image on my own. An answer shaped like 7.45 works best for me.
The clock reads 12.10
